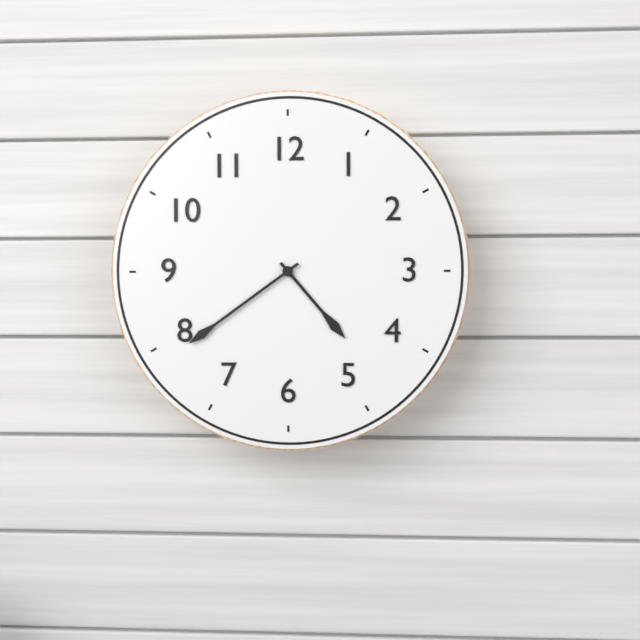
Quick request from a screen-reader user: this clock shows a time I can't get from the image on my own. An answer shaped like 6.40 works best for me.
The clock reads 4.39
